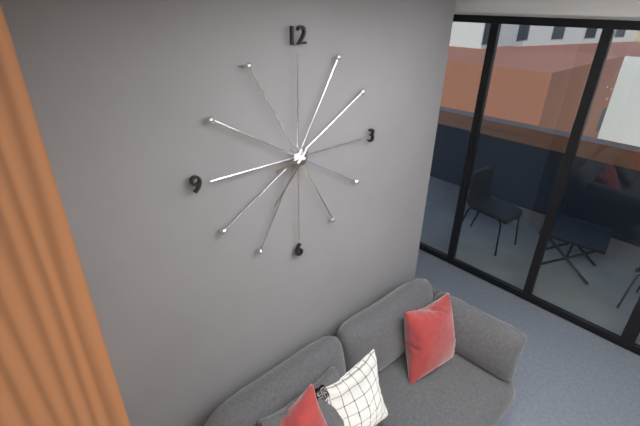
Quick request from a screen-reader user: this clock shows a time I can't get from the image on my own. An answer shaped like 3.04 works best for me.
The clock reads 8.37
